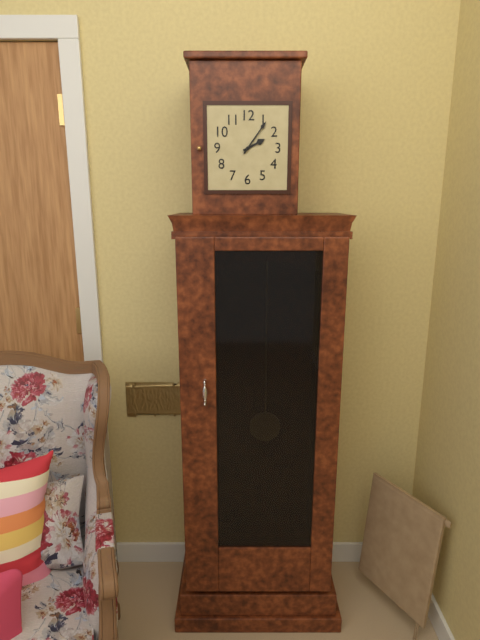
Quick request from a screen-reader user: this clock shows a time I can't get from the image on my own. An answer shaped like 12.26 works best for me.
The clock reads 2.06
